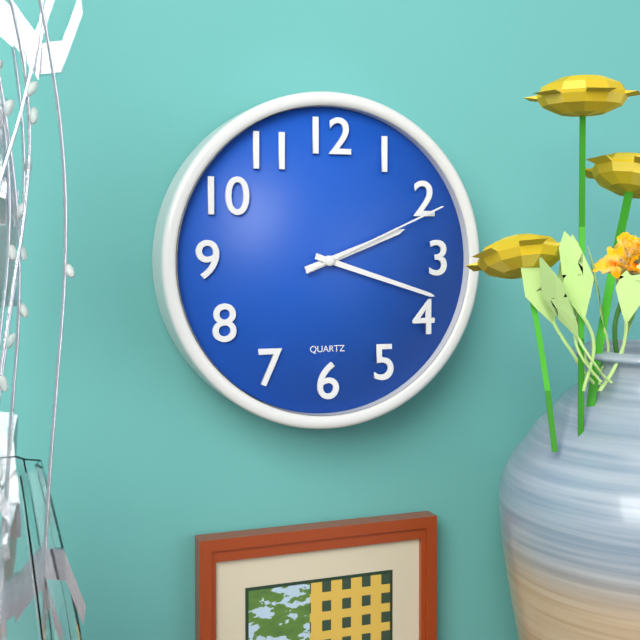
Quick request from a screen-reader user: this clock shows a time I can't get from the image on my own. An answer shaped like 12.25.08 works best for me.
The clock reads 2.18.11
